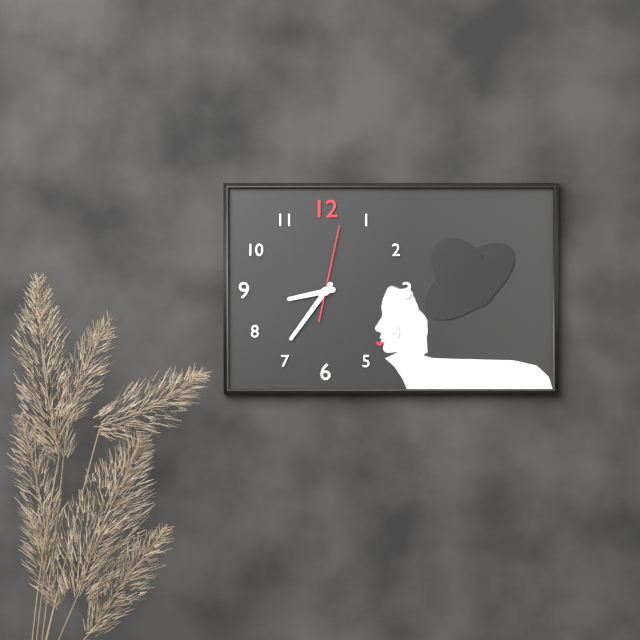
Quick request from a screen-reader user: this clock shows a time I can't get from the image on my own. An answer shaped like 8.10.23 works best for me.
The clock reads 8.36.02
